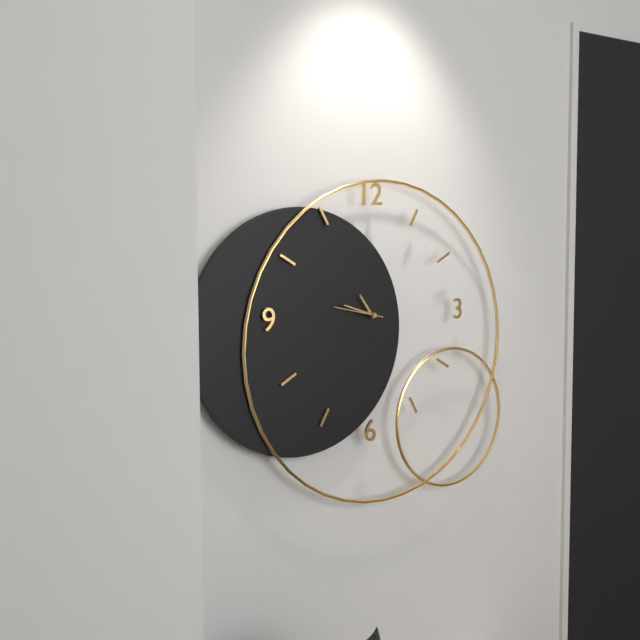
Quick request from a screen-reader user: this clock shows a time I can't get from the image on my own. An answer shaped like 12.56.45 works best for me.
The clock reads 10.48.47
